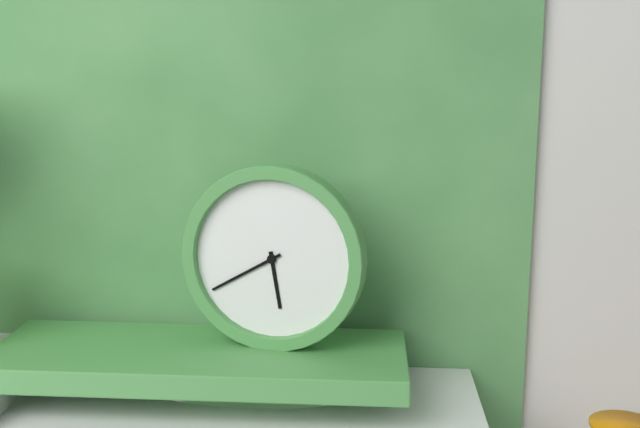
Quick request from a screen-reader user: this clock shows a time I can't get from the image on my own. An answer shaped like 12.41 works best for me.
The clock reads 5.40
